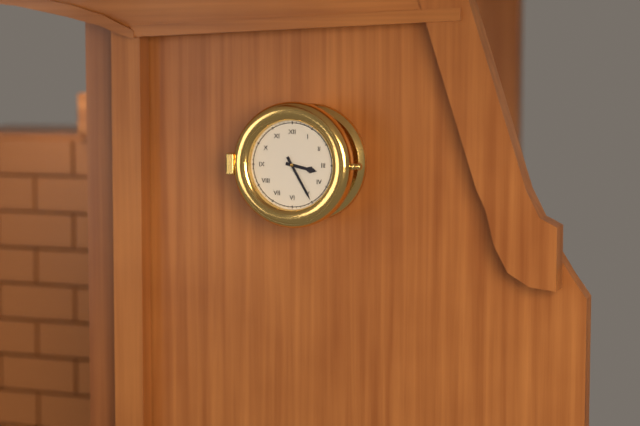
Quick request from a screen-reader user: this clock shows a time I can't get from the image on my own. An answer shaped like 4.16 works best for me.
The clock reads 3.25
